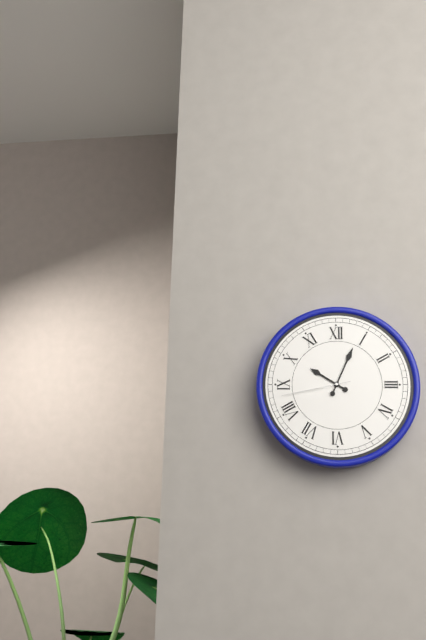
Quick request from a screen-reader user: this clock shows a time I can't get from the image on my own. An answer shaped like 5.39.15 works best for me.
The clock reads 10.04.43
